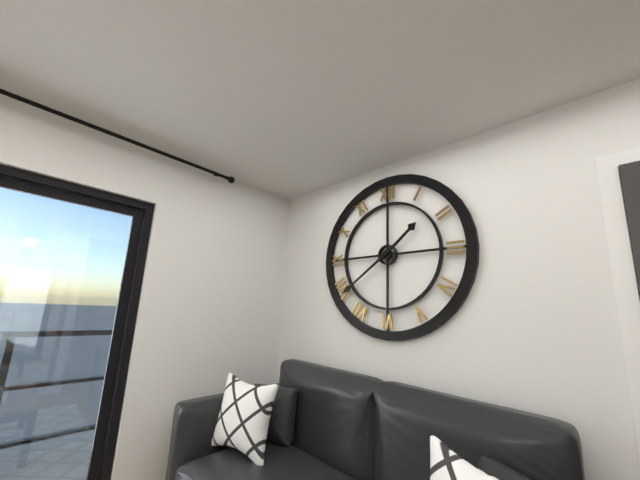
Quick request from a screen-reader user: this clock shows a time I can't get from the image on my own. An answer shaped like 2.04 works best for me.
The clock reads 1.39
